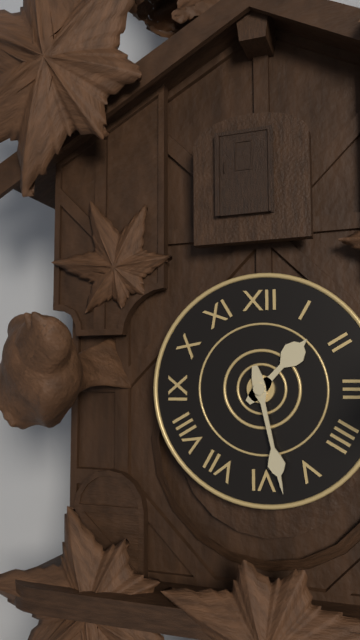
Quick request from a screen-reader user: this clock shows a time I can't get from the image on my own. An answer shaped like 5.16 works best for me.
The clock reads 1.28
